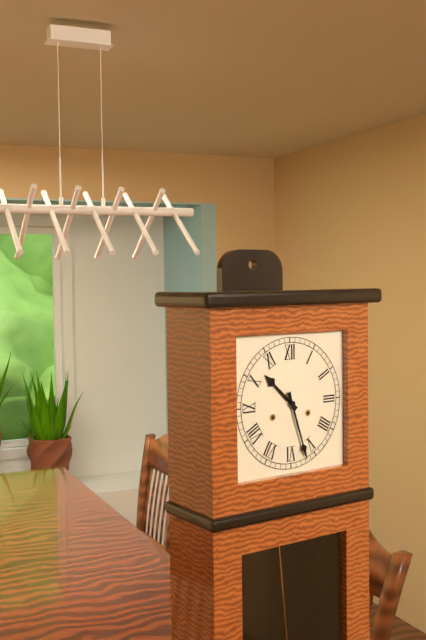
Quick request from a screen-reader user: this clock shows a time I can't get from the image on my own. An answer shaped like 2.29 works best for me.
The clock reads 10.27
